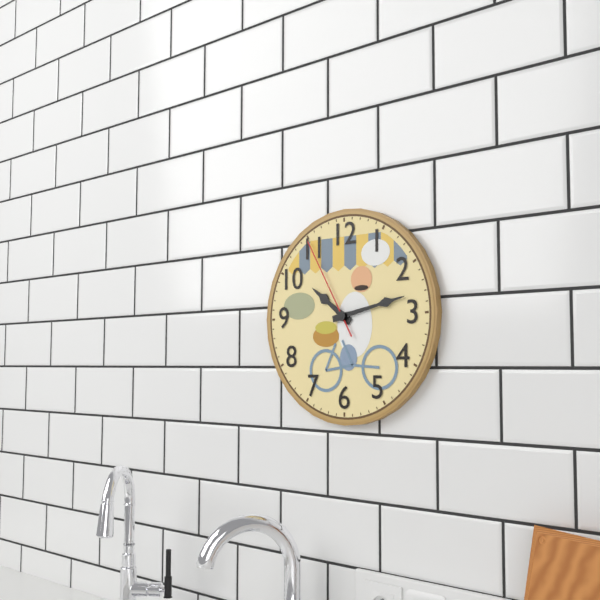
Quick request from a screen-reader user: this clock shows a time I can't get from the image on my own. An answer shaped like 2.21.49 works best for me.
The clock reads 10.13.55
